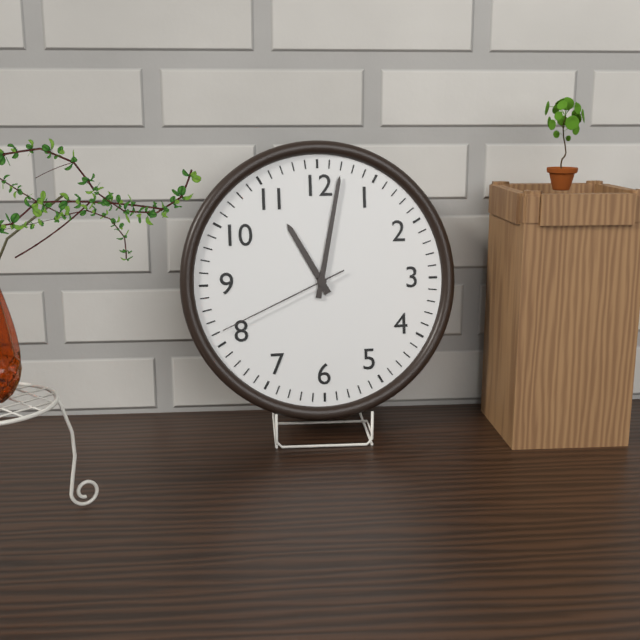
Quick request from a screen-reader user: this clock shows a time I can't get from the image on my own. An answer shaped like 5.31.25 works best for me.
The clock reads 11.02.41
